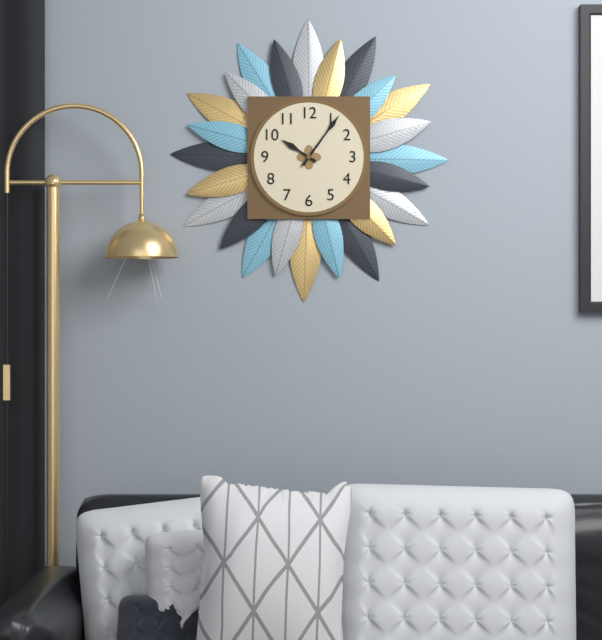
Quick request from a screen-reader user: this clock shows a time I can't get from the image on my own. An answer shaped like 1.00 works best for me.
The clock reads 10.06
